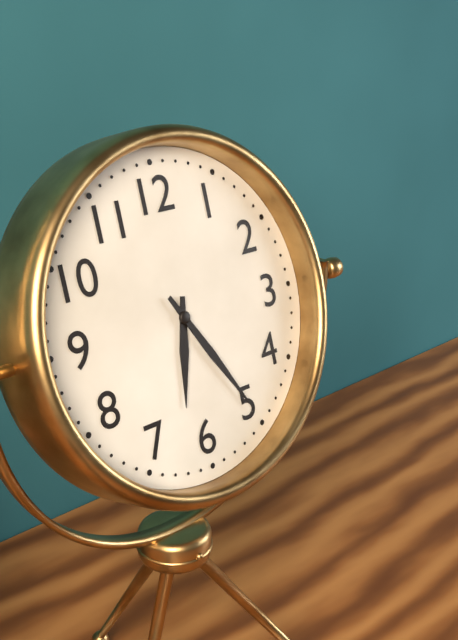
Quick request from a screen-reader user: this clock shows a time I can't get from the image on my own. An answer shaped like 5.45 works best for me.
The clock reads 6.25
